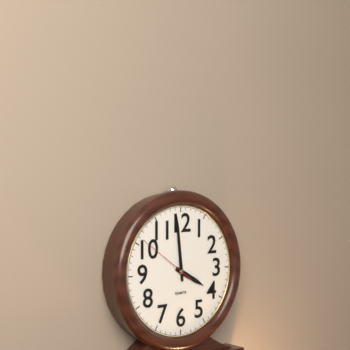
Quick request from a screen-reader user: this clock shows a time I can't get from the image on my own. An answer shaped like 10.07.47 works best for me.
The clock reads 3.59.51
